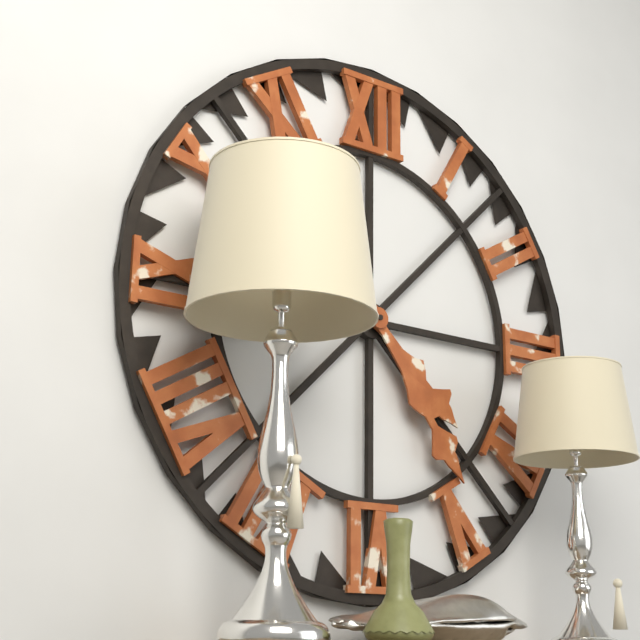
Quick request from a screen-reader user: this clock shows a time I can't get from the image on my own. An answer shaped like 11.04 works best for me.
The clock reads 4.24
